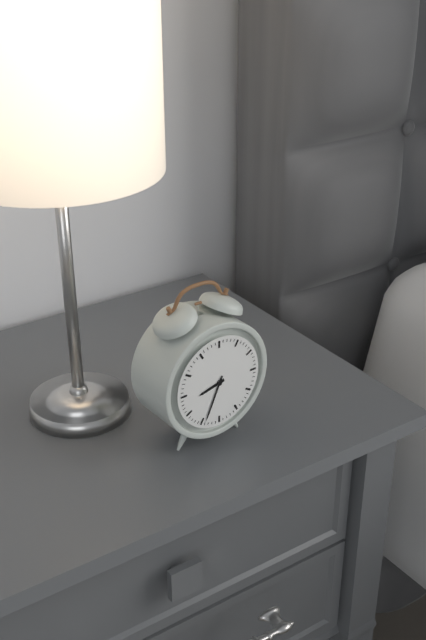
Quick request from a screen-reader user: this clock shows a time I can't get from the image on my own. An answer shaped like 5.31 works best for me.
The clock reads 8.34
